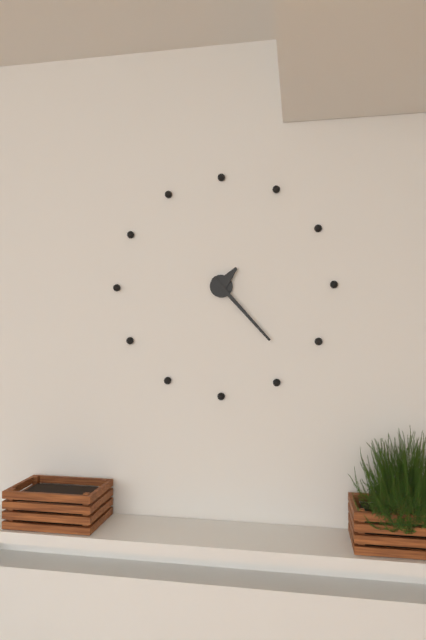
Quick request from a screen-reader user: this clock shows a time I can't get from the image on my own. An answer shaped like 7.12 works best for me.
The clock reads 1.23
